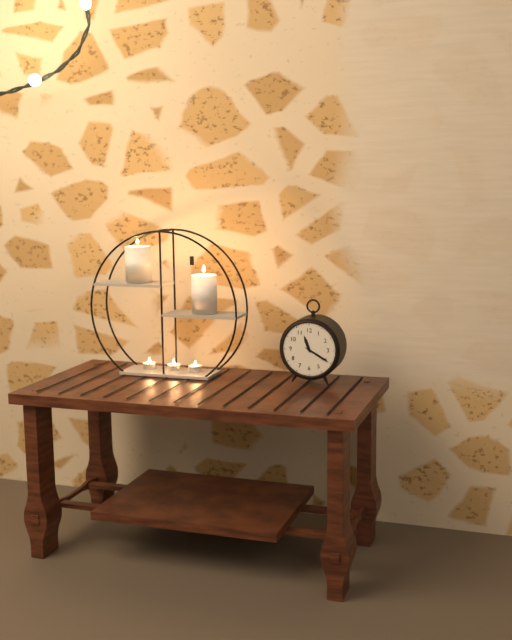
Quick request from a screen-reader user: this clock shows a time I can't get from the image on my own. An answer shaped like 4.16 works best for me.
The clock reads 11.20
